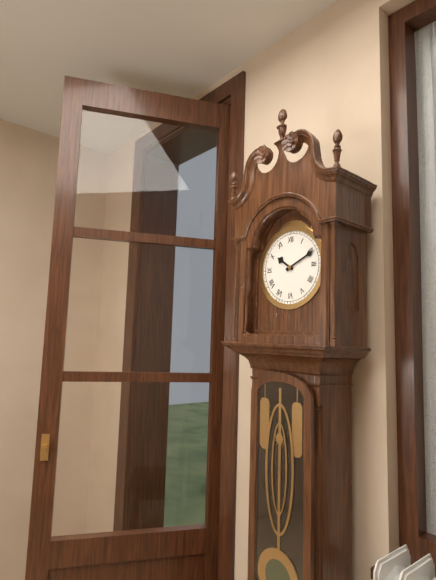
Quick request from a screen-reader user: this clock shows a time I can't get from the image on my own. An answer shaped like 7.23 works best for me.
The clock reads 10.11
